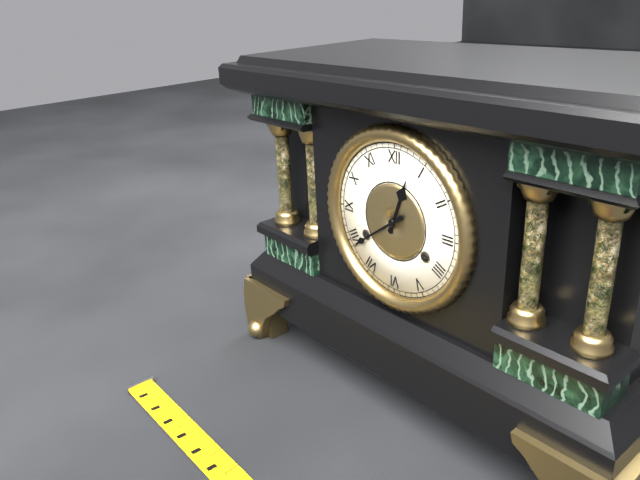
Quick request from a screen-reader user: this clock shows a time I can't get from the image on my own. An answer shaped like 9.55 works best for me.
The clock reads 12.39
